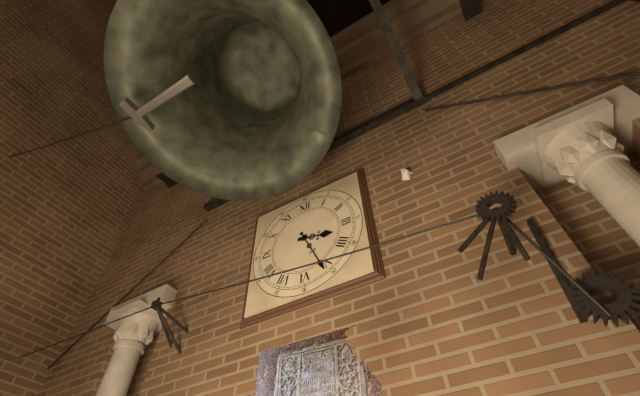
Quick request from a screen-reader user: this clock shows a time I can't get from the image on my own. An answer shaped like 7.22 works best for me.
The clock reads 3.26
